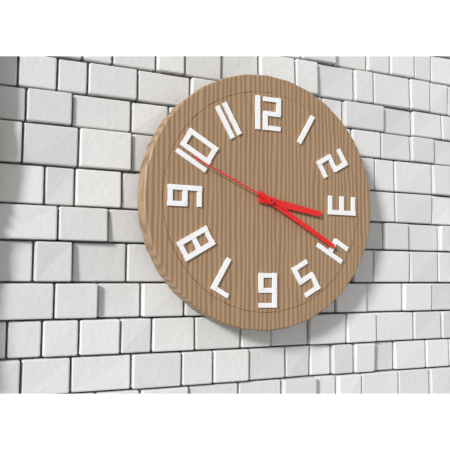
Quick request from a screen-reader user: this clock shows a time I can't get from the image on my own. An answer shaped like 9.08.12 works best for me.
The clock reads 3.20.49
